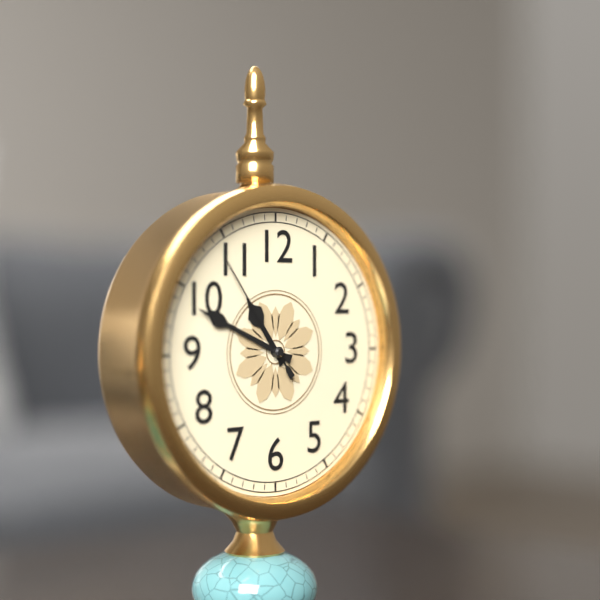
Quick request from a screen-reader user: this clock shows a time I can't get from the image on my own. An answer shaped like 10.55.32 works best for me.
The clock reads 10.49.54
